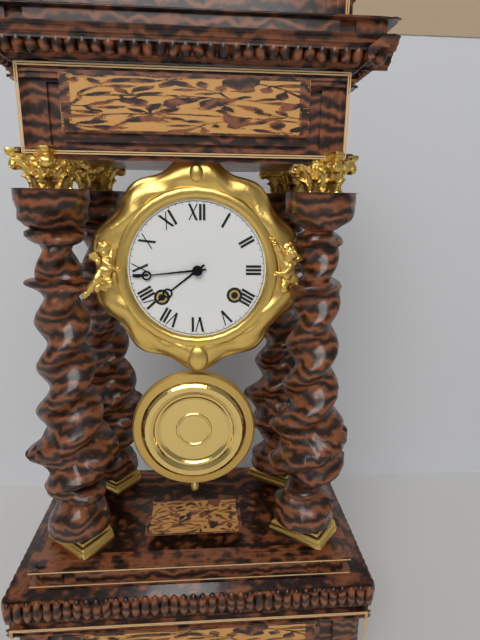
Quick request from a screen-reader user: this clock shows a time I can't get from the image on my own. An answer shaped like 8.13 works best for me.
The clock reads 7.44
